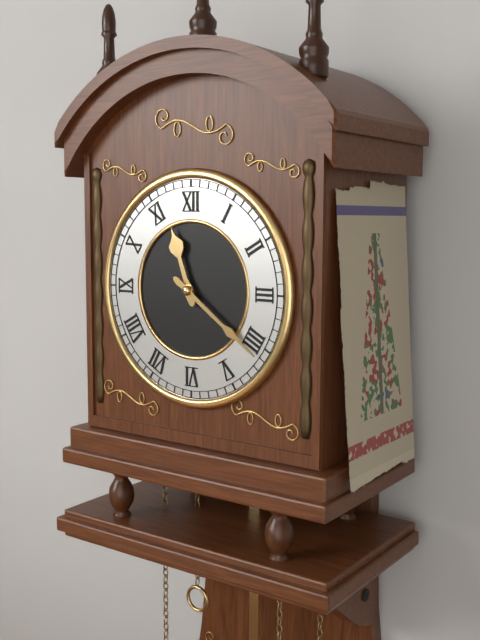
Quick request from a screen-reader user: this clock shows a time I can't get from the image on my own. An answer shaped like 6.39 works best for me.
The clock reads 11.21
